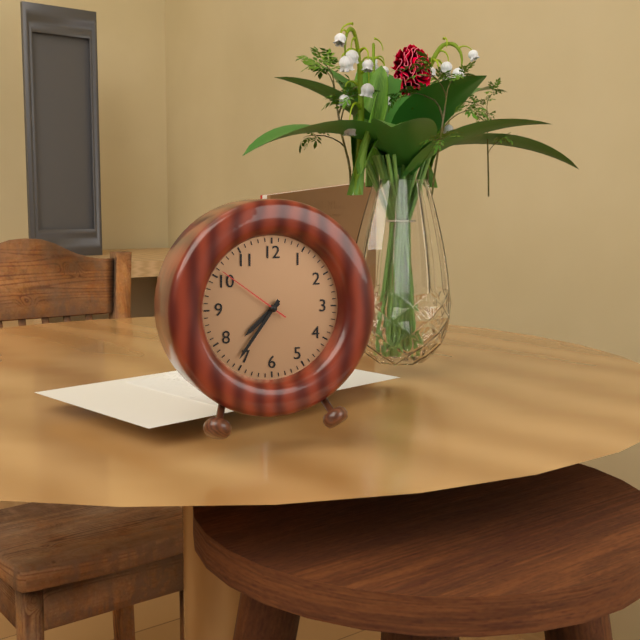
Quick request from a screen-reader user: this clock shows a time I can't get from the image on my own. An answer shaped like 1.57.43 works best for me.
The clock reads 7.36.51
